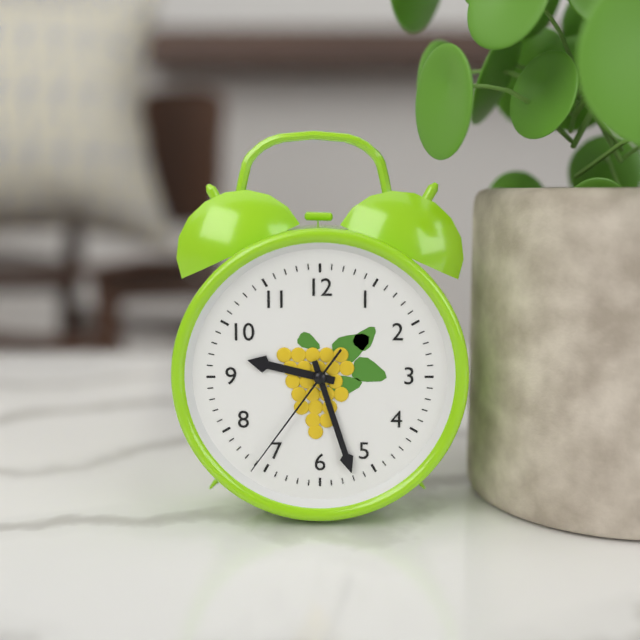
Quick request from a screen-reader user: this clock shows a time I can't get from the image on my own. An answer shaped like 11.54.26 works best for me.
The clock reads 9.27.36
